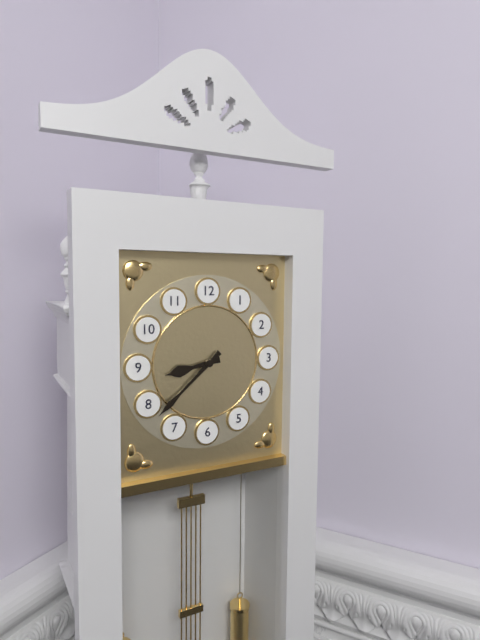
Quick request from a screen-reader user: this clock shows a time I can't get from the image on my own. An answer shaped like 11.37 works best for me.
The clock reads 8.38
